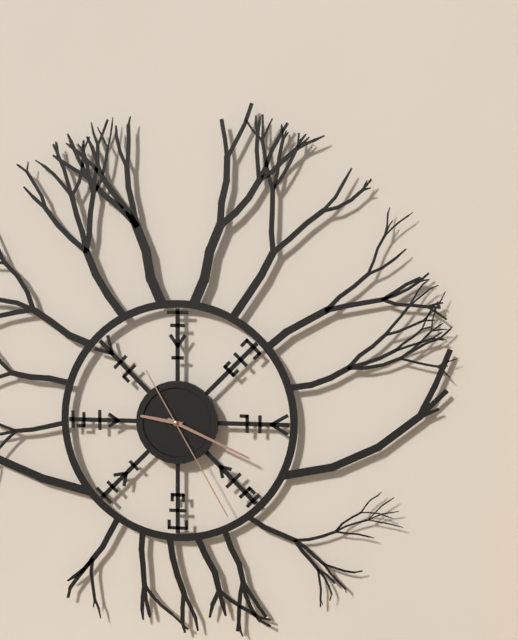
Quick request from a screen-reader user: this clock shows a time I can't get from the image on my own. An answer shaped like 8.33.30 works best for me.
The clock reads 9.19.25
